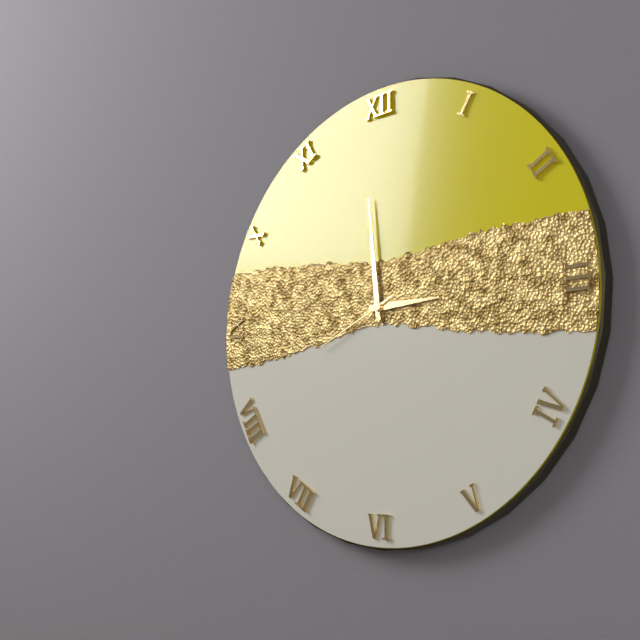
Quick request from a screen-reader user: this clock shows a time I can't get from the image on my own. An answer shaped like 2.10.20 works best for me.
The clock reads 2.59.41
